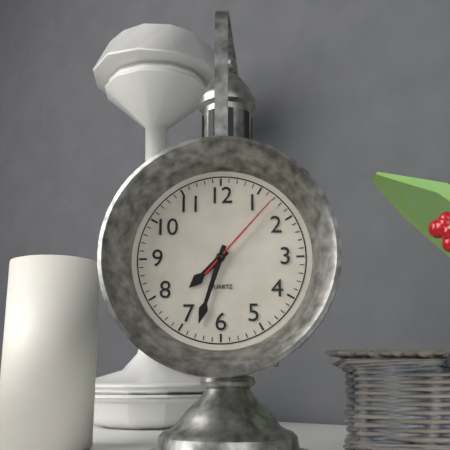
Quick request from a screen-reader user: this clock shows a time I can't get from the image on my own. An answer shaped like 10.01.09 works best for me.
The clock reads 7.33.07
